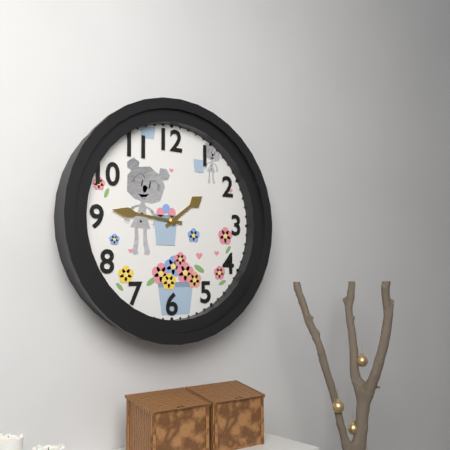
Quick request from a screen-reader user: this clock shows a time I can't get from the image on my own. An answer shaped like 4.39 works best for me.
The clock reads 1.46
